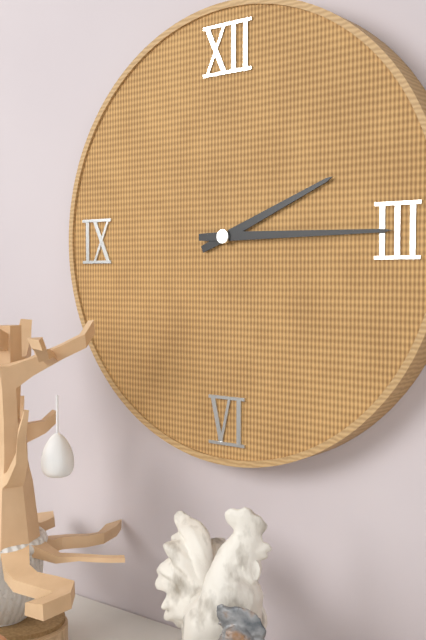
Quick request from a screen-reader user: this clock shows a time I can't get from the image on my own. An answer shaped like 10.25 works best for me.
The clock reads 2.15
